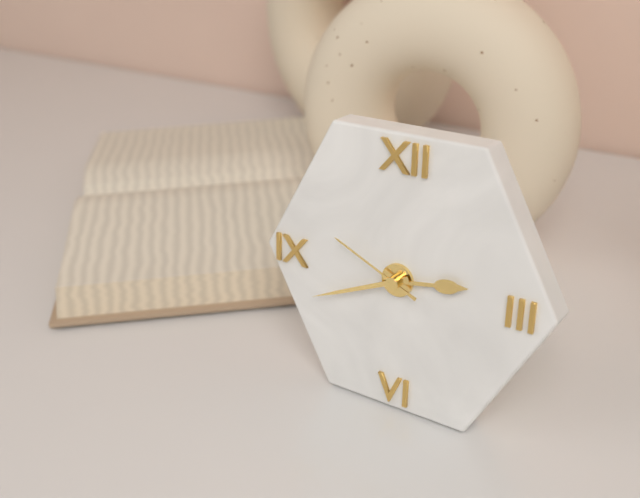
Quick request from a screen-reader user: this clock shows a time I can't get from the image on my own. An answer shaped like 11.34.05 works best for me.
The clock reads 2.41.49
